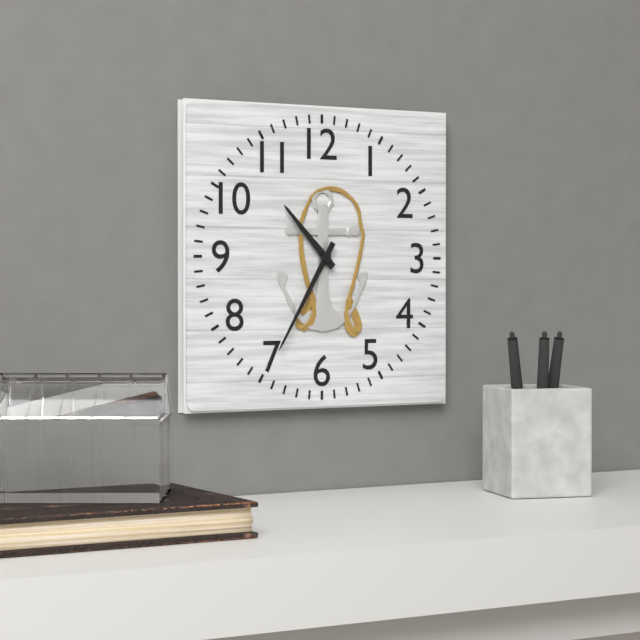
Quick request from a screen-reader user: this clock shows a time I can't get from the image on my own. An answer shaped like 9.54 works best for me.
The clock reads 10.35
